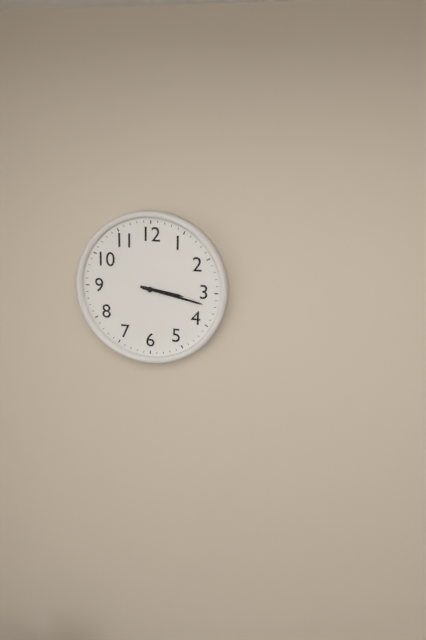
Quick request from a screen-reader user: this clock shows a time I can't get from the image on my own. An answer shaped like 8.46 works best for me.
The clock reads 3.17
